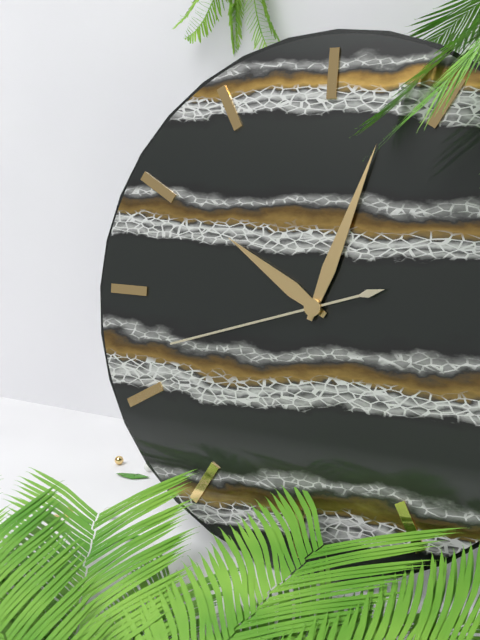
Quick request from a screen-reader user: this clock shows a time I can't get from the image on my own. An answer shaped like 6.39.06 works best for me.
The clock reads 10.03.42
